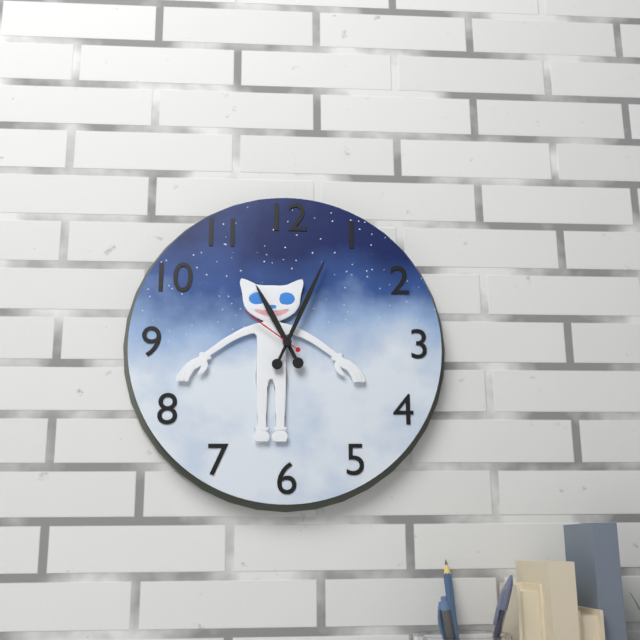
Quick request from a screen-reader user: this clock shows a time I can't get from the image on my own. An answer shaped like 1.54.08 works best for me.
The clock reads 11.04.51
